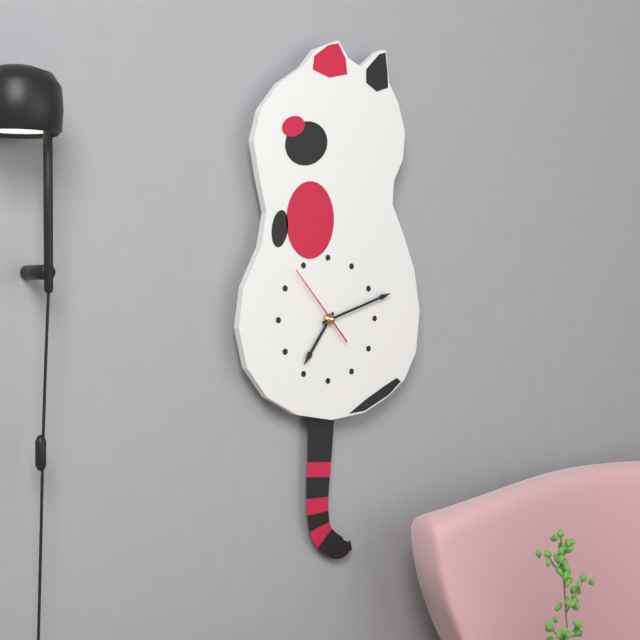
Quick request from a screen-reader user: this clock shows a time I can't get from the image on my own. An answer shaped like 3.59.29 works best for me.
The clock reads 7.12.53
